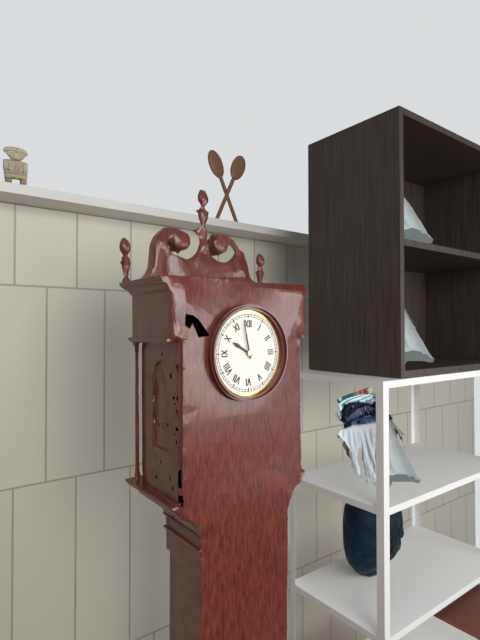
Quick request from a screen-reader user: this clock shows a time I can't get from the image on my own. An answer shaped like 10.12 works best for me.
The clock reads 9.58
